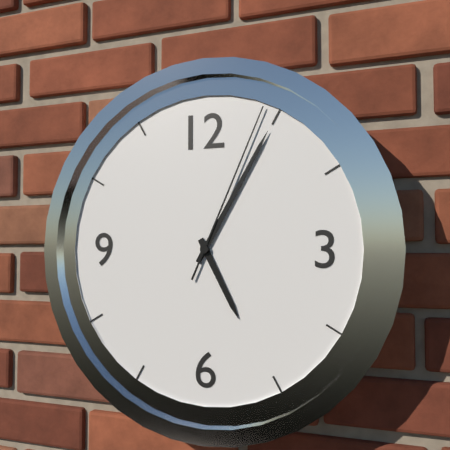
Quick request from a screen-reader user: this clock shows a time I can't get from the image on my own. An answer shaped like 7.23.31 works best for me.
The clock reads 5.05.04
